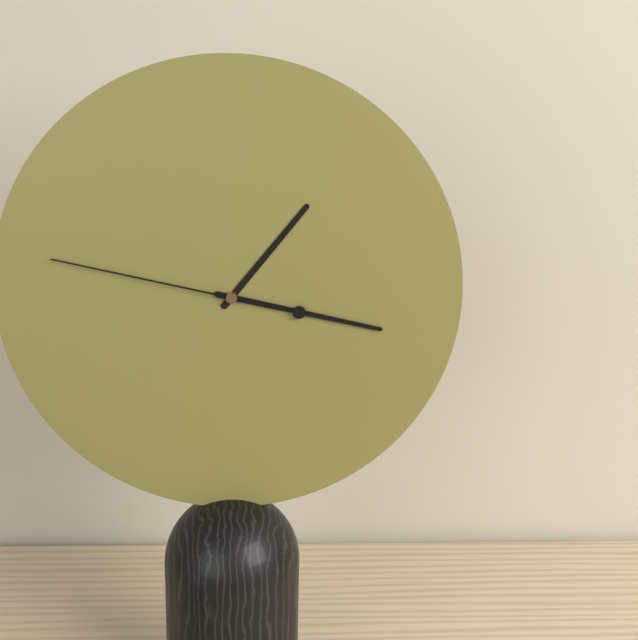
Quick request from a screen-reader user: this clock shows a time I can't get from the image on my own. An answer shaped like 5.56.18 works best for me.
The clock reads 1.17.47
